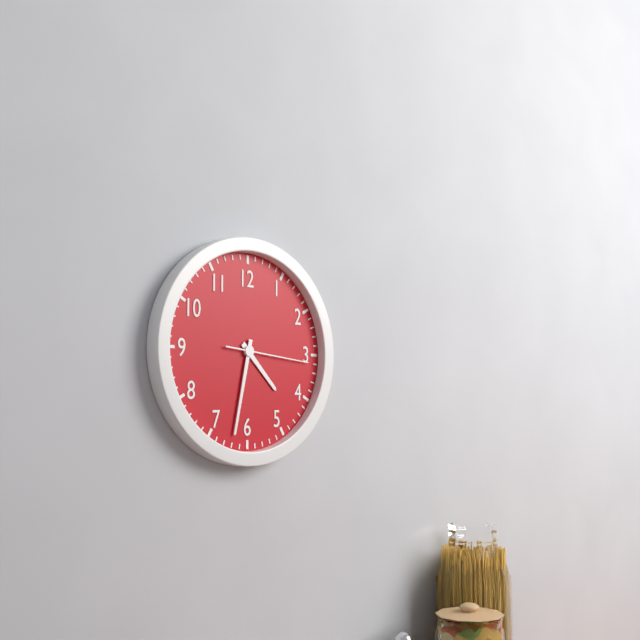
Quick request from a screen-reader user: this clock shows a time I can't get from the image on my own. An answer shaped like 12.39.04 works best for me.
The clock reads 4.32.16
